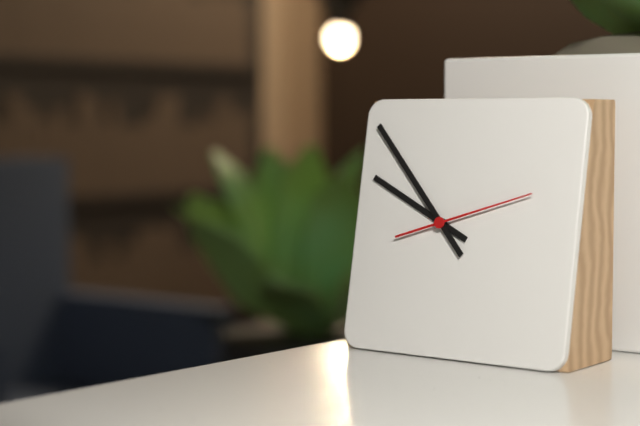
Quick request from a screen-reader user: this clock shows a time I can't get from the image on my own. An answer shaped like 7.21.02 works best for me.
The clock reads 9.53.12
